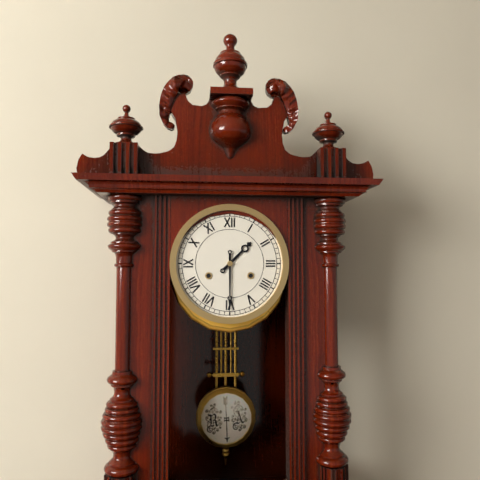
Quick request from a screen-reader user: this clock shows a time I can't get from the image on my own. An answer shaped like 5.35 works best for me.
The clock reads 1.30
